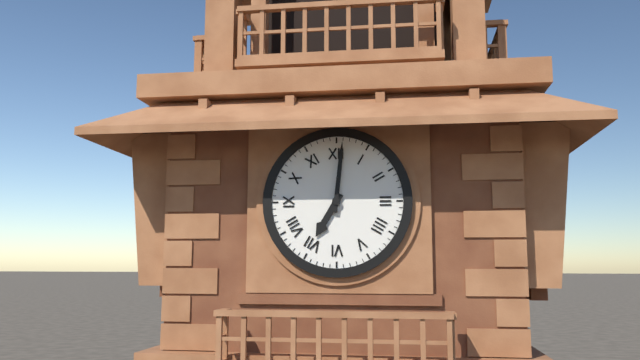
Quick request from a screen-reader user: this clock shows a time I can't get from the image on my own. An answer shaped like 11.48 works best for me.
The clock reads 7.01
